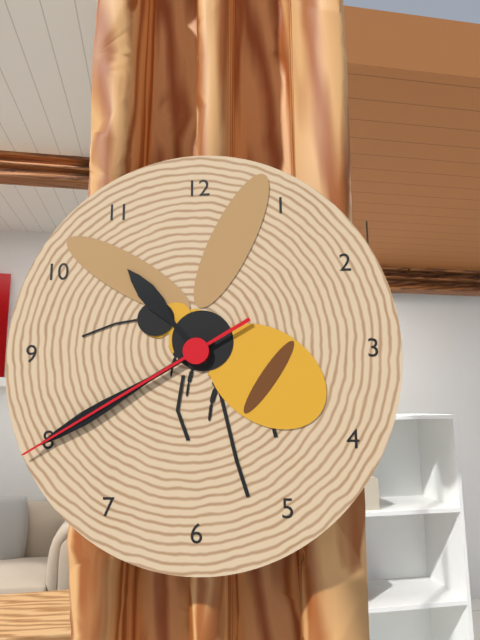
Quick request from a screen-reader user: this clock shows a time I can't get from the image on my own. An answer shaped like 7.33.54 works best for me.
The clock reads 10.40.40
